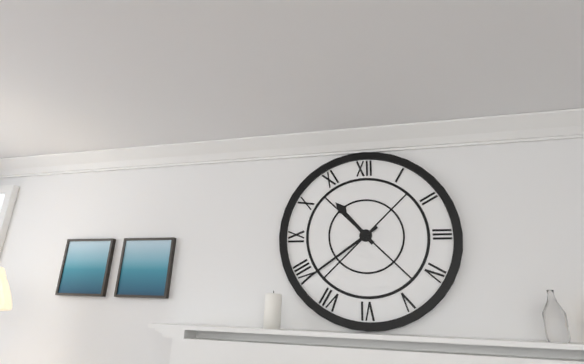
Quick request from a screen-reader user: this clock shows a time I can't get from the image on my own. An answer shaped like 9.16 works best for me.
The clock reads 10.39
